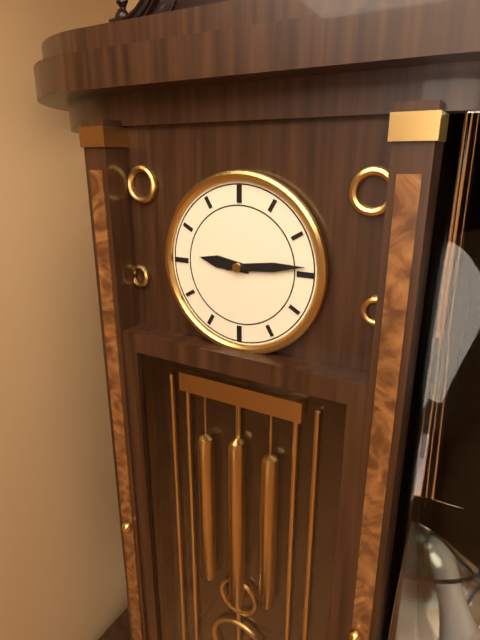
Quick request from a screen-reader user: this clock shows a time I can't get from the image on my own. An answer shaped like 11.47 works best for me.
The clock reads 9.14
